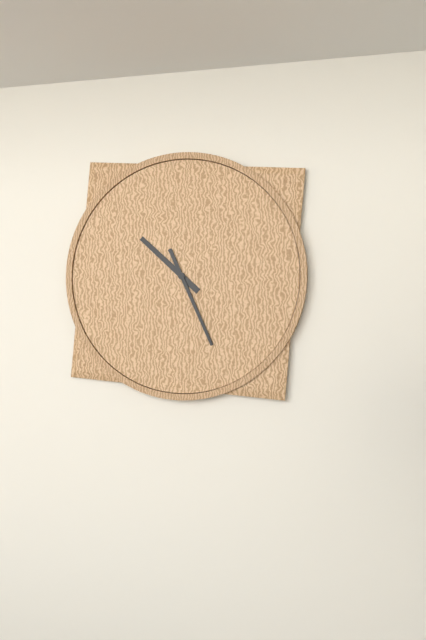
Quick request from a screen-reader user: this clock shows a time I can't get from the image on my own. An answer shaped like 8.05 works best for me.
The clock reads 10.26
